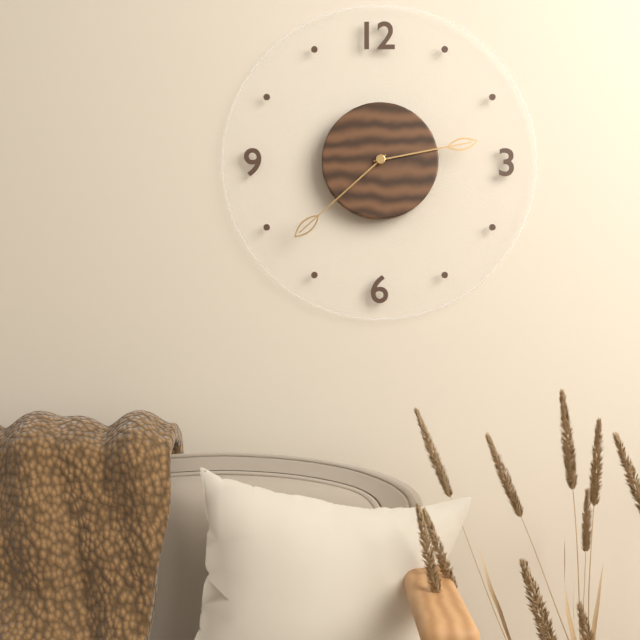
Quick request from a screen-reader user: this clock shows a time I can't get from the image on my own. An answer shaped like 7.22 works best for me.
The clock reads 2.38
